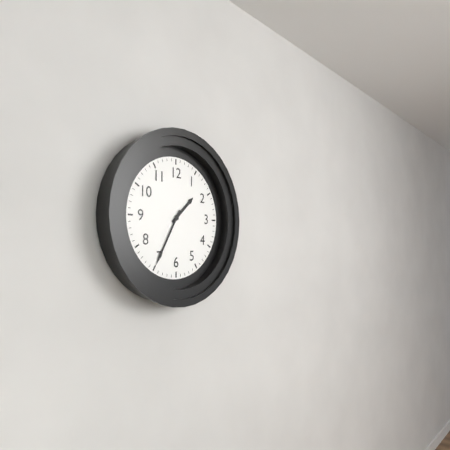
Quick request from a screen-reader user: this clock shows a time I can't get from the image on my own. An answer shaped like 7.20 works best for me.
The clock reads 1.35
